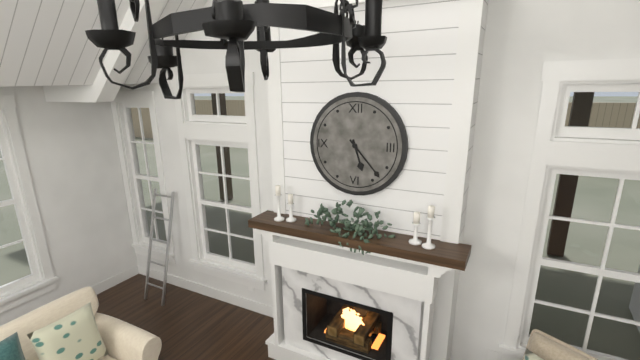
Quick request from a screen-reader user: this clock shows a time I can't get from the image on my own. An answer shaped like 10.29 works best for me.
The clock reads 5.23
